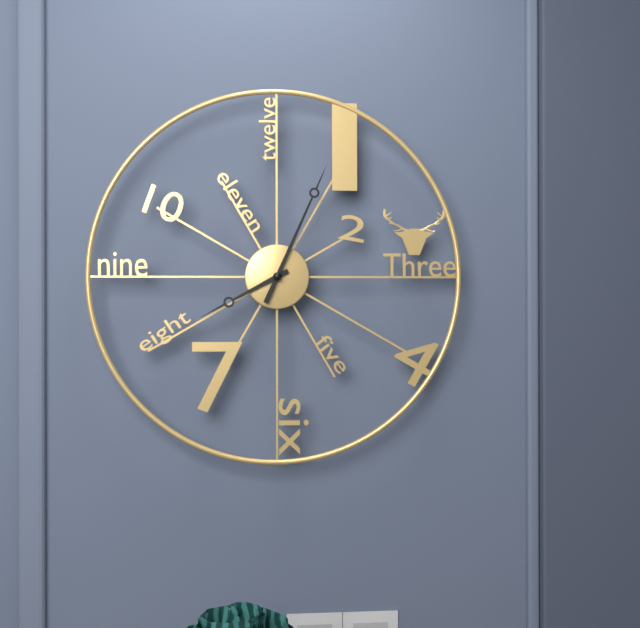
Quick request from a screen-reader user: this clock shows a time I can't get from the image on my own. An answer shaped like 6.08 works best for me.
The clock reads 8.04
